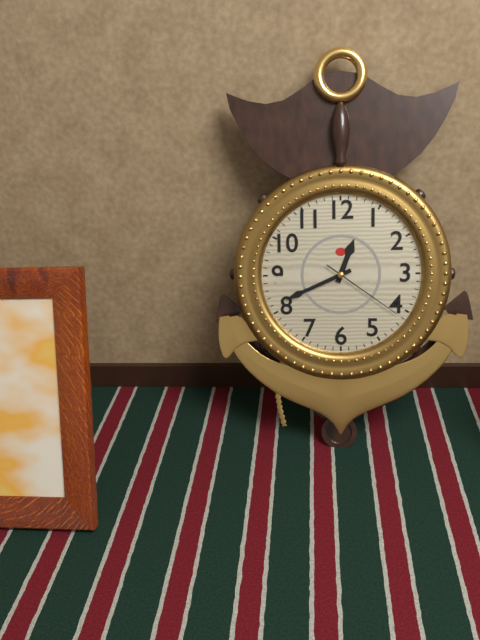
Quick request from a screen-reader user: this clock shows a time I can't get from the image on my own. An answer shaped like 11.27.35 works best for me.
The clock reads 12.41.21
